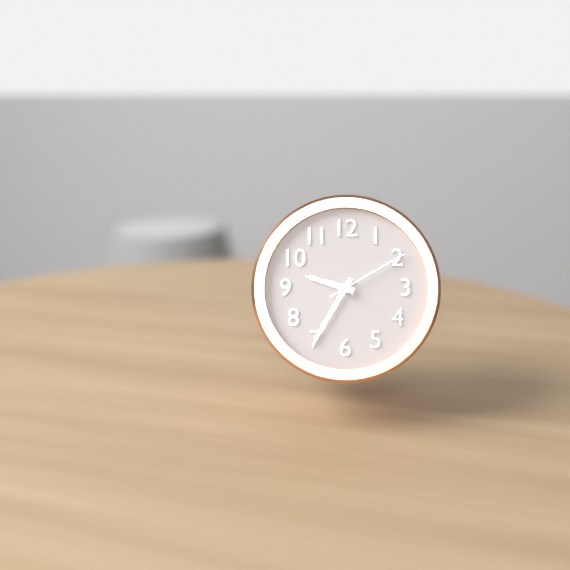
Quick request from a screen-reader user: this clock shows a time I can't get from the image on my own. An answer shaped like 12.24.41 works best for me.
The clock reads 9.35.10
